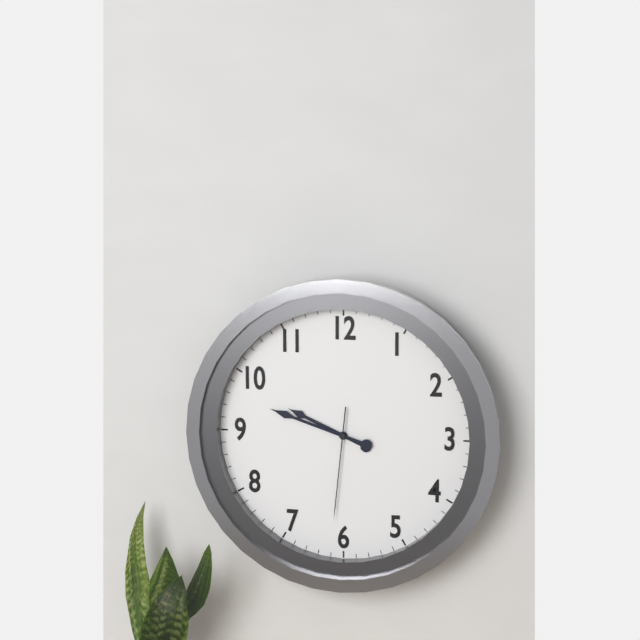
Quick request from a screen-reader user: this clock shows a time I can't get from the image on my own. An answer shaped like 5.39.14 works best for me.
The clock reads 9.48.31
